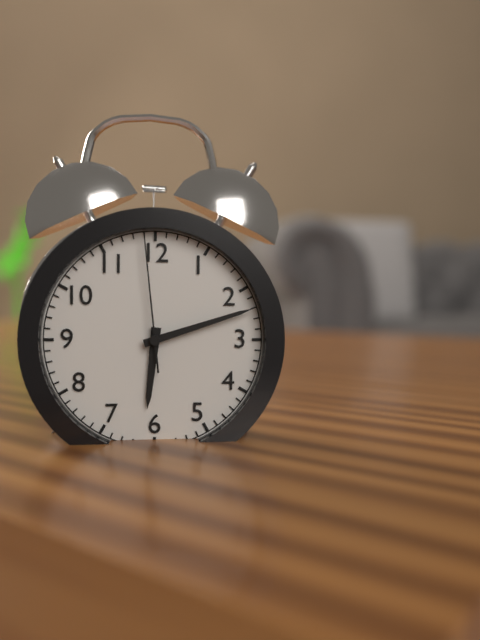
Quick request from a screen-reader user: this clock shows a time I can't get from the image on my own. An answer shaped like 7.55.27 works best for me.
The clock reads 6.12.59
